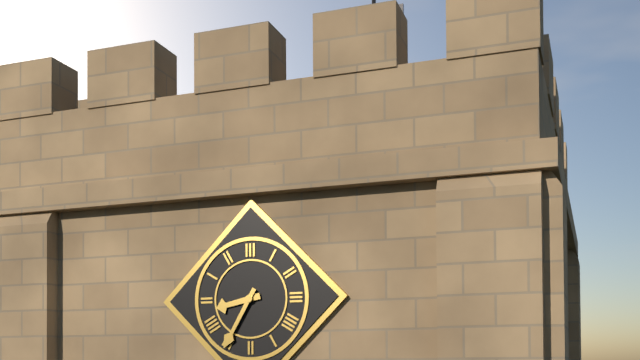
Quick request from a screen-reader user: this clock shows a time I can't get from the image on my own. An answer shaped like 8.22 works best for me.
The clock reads 8.35
